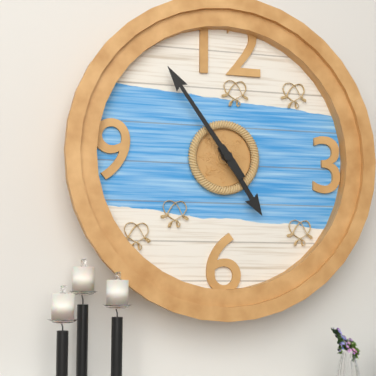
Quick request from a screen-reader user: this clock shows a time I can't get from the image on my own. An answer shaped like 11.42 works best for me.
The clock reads 4.54
